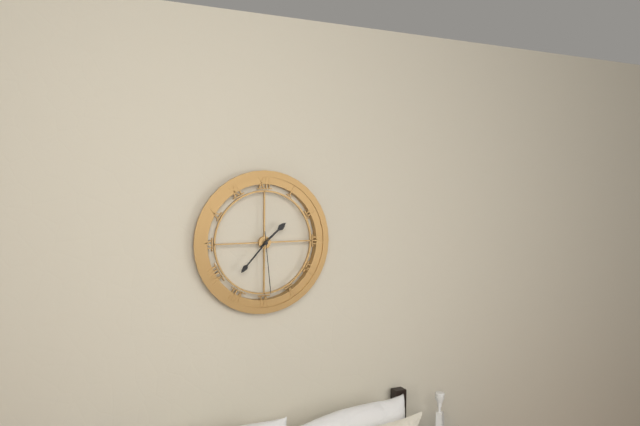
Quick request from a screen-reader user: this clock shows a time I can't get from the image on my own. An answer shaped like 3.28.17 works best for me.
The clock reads 1.37.29
